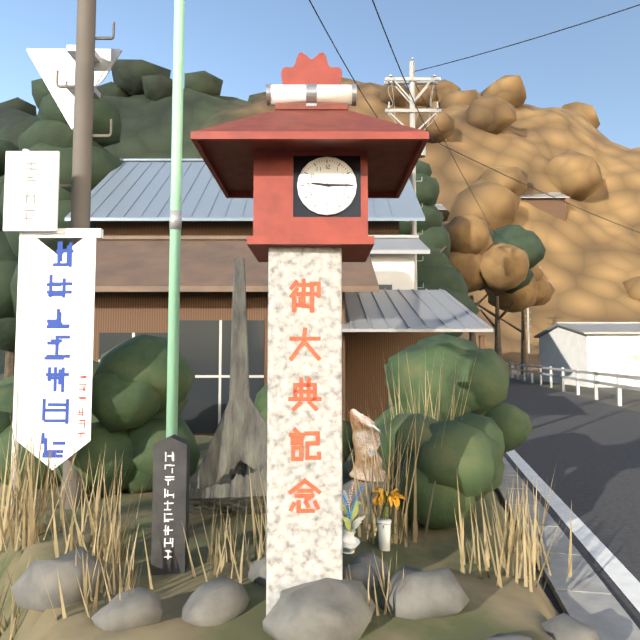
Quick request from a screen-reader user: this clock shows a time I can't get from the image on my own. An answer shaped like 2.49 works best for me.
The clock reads 9.15
